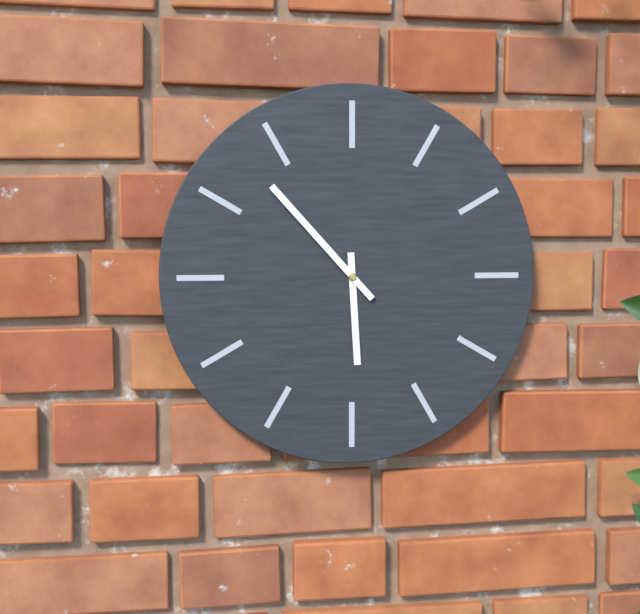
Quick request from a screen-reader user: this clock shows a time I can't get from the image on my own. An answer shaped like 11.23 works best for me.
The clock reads 5.53
